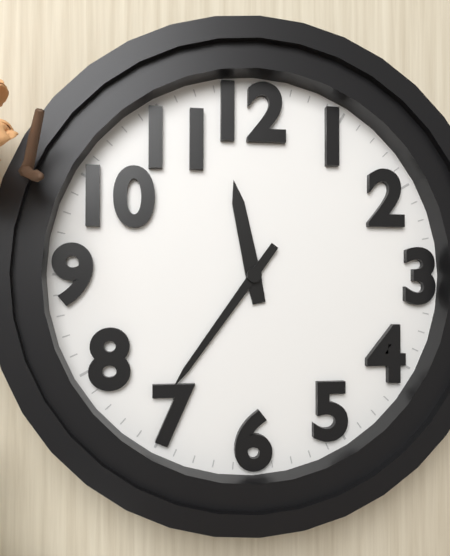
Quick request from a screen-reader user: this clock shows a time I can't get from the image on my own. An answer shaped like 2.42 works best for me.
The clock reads 11.36
